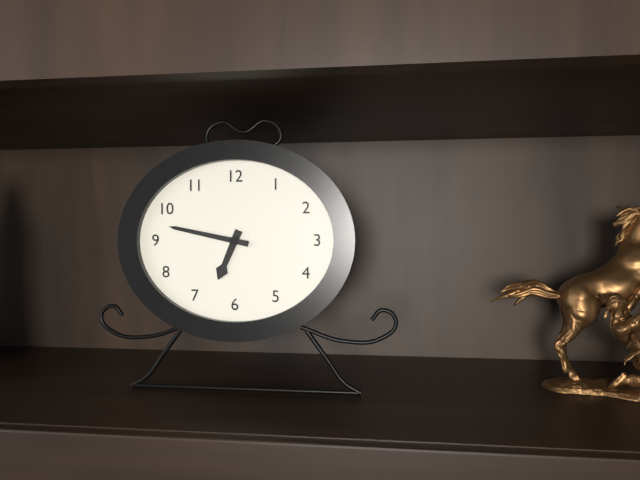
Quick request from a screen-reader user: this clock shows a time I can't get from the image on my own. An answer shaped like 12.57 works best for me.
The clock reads 6.47
